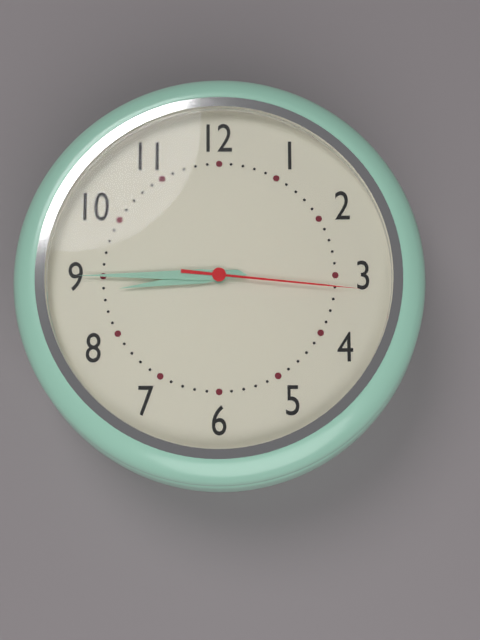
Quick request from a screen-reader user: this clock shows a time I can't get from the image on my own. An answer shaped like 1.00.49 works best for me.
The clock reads 8.45.16
